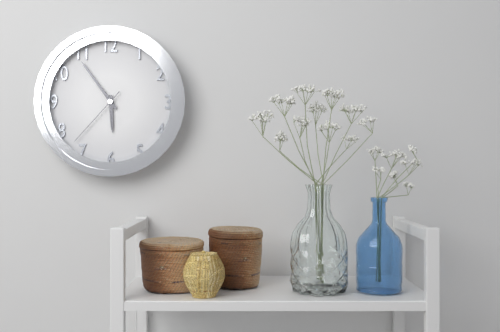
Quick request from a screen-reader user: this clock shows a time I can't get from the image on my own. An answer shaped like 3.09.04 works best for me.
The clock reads 5.54.37
